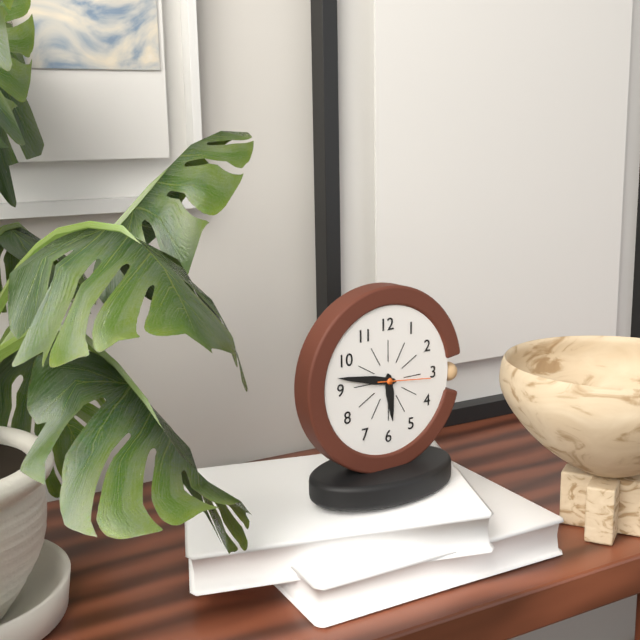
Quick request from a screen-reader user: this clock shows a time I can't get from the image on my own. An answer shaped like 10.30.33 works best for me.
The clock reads 5.47.16
